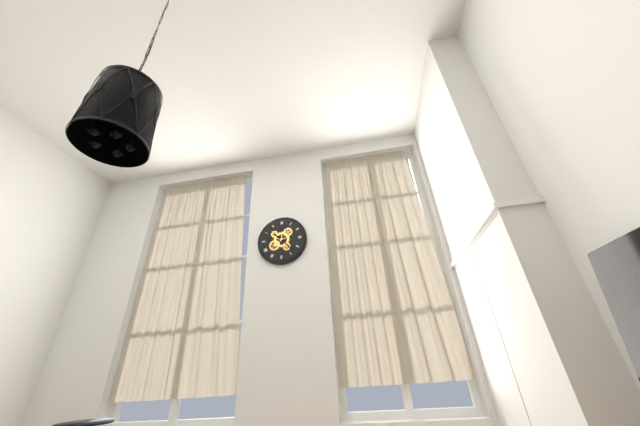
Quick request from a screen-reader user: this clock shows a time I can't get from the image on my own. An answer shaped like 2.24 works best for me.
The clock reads 10.23
